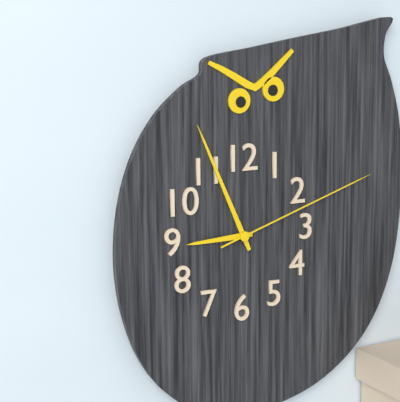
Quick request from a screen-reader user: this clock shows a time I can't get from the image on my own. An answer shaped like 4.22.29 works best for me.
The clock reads 8.56.12
